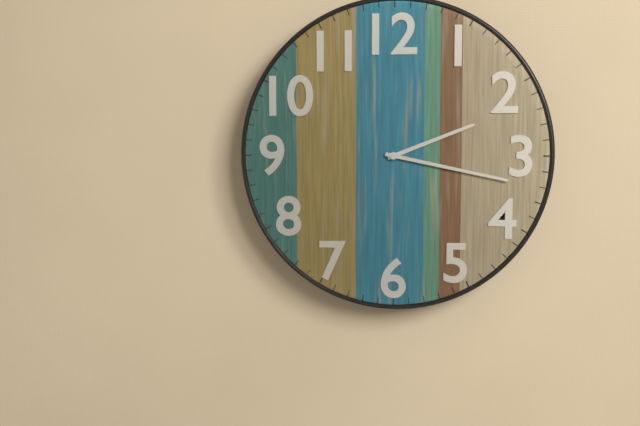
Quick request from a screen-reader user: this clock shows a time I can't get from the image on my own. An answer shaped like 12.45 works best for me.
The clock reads 2.17
